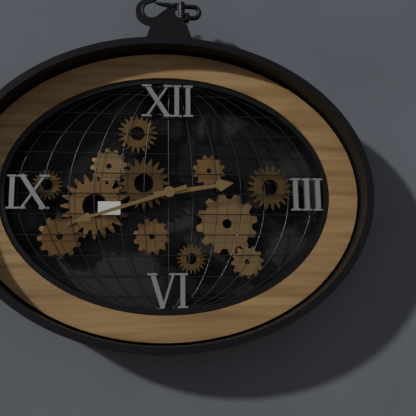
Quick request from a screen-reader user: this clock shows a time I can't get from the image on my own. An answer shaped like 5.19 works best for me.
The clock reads 2.42
